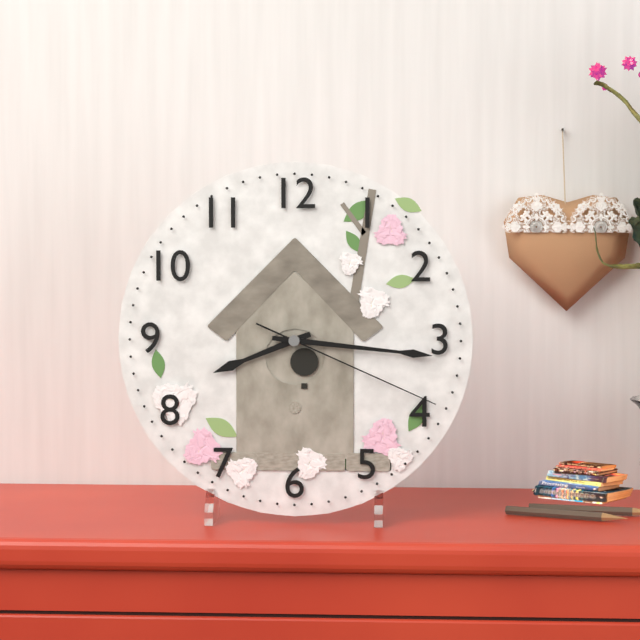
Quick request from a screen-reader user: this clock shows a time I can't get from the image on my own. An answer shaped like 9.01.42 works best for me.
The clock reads 8.16.19
